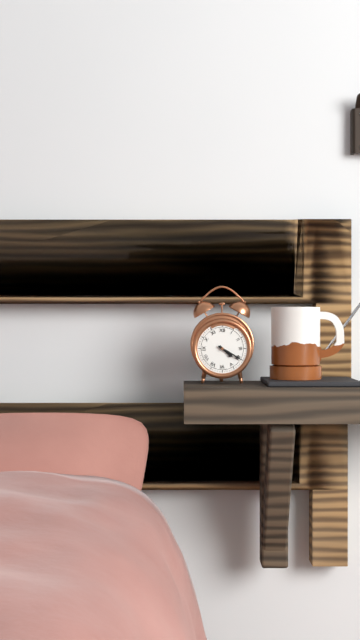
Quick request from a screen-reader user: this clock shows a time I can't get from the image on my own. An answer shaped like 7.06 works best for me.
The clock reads 4.20
